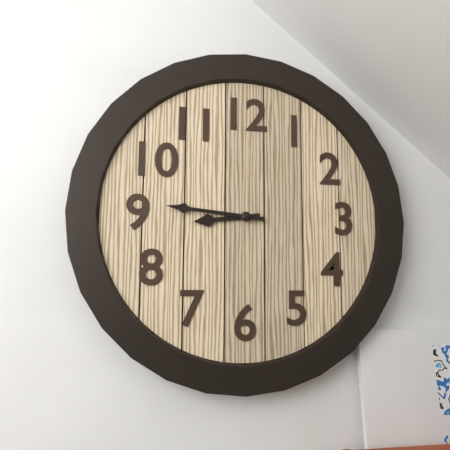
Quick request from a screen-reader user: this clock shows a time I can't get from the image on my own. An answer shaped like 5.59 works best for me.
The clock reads 8.46
